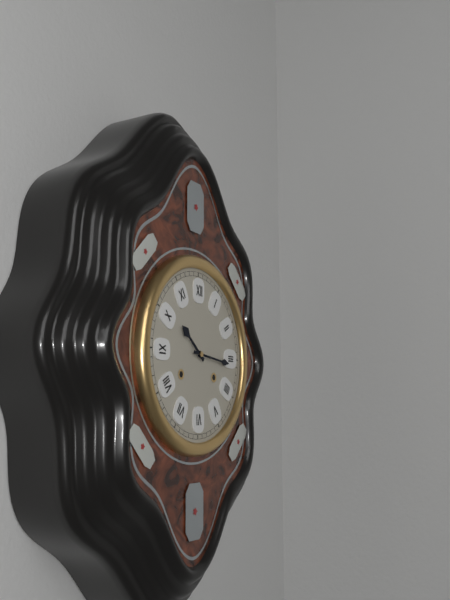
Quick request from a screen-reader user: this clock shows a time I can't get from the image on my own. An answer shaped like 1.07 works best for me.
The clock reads 10.16
